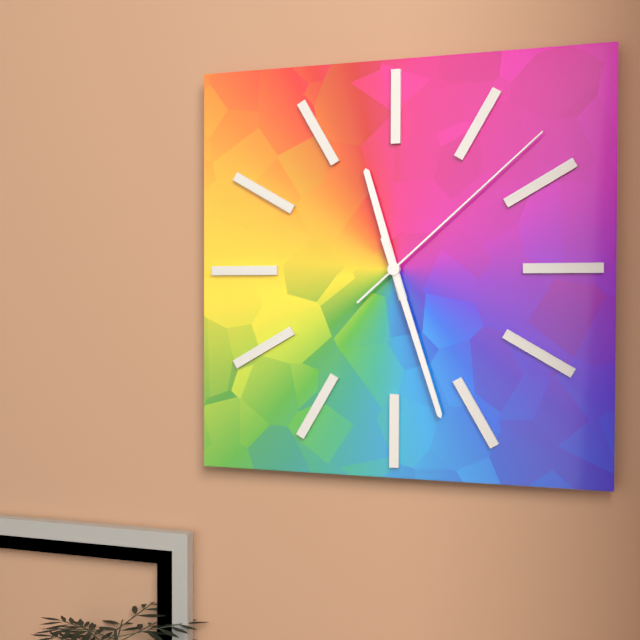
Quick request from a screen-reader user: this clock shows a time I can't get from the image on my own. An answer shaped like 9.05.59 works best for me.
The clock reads 11.27.08
